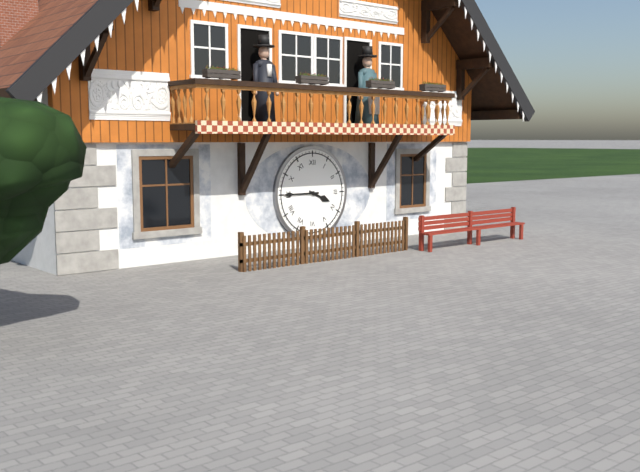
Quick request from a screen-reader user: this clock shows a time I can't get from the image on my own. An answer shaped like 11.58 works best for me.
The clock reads 3.45
